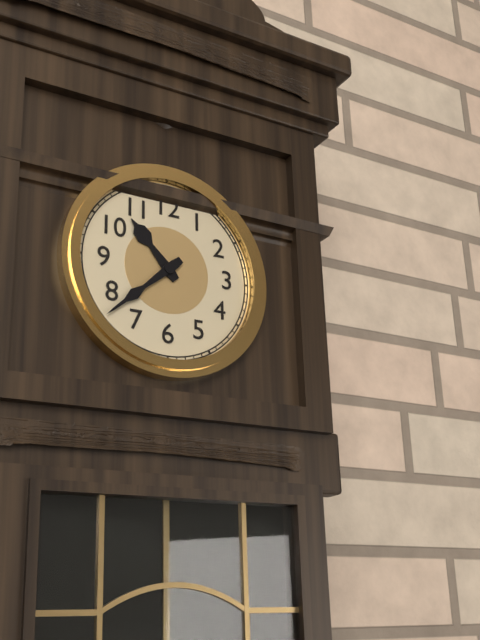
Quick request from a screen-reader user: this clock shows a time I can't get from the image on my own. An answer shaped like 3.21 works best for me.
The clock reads 10.38
